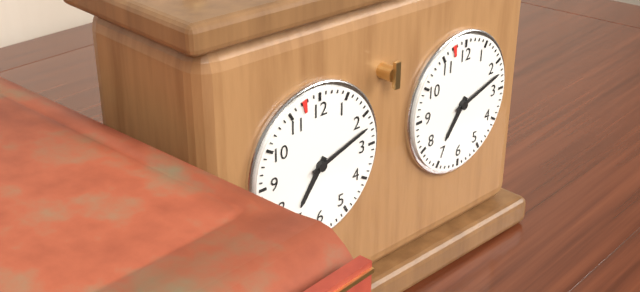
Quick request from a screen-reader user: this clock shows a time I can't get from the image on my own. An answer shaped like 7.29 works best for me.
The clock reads 7.12
